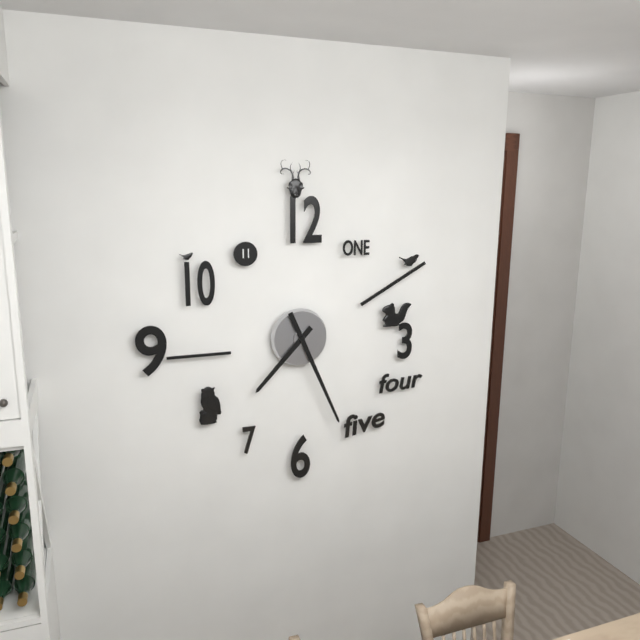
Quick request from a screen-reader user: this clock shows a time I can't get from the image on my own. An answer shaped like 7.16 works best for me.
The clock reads 7.26
